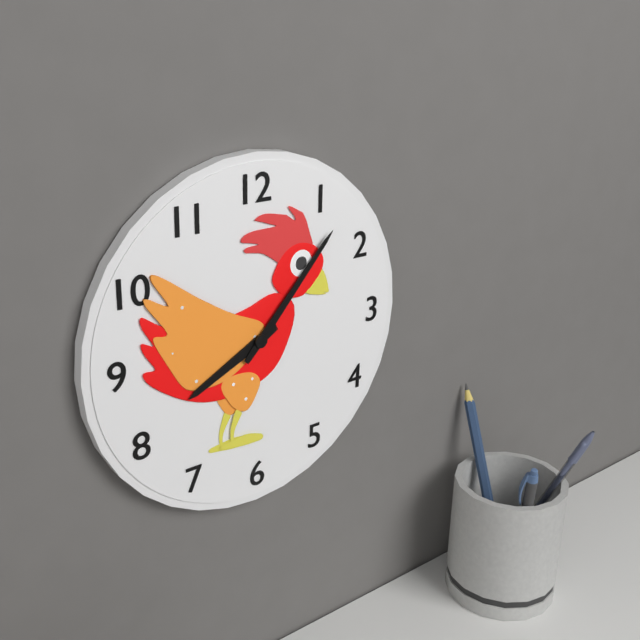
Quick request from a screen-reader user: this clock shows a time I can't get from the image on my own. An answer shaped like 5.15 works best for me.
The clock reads 8.07
